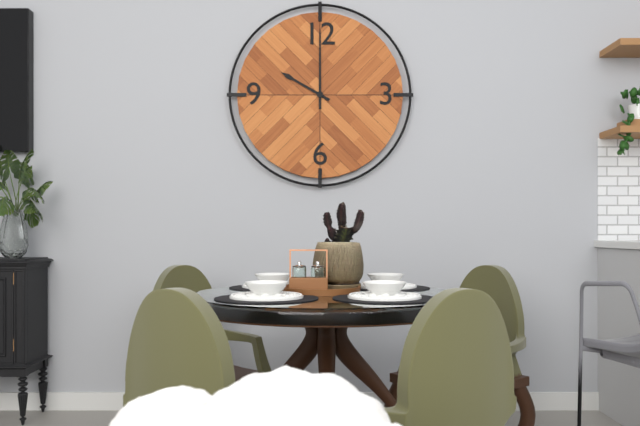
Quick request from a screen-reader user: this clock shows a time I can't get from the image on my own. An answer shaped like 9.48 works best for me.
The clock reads 10.00
